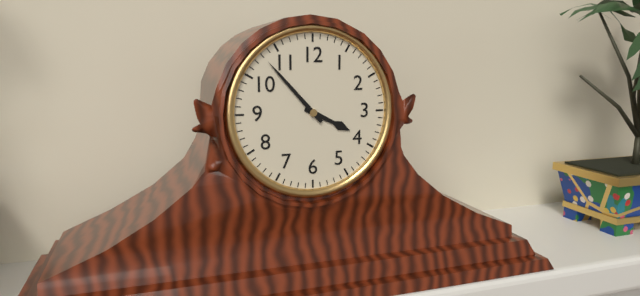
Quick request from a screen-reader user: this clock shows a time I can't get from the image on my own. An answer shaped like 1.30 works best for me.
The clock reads 3.53
